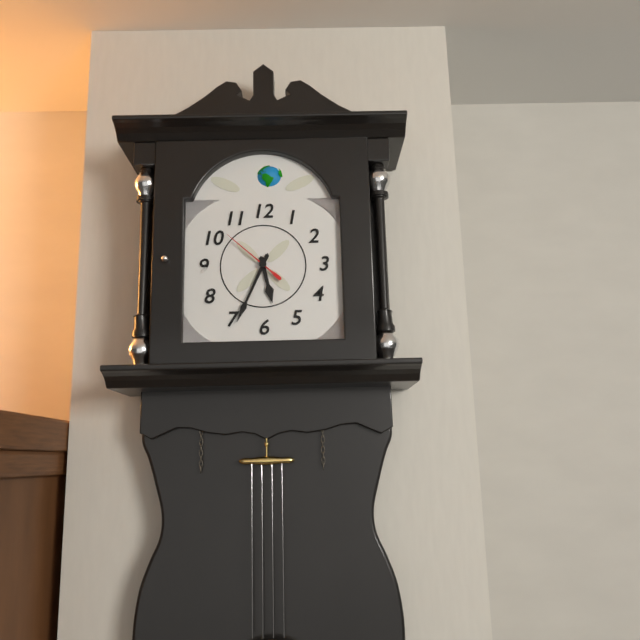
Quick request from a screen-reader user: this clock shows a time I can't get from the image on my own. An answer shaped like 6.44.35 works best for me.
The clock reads 5.34.52
